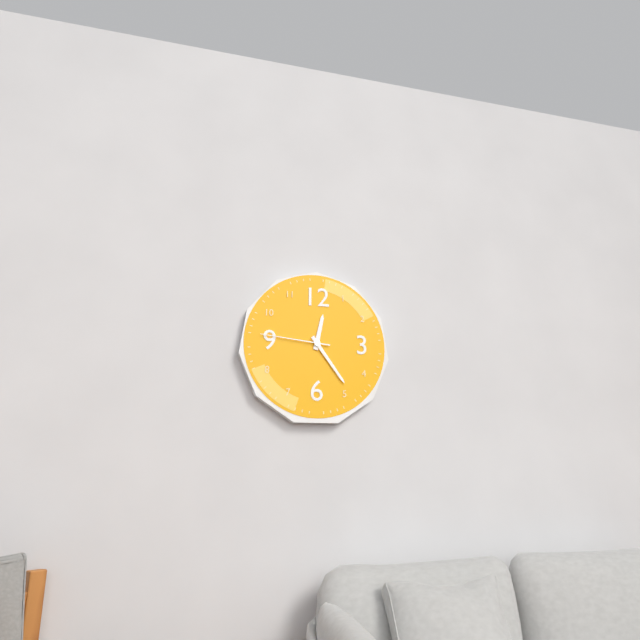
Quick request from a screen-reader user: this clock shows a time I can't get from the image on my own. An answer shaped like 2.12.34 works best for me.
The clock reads 12.24.46
